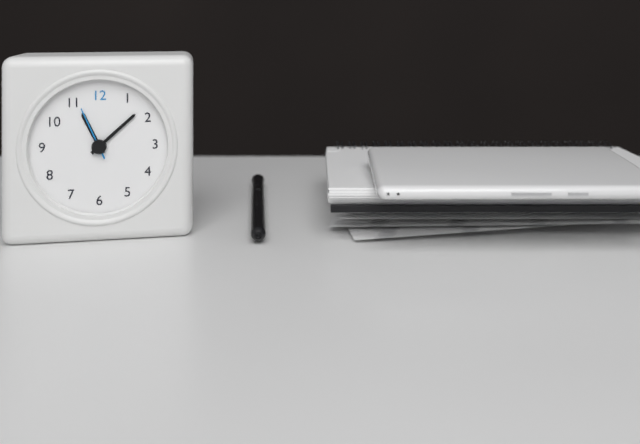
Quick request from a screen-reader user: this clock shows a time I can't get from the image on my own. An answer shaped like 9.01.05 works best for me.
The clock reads 11.08.56
